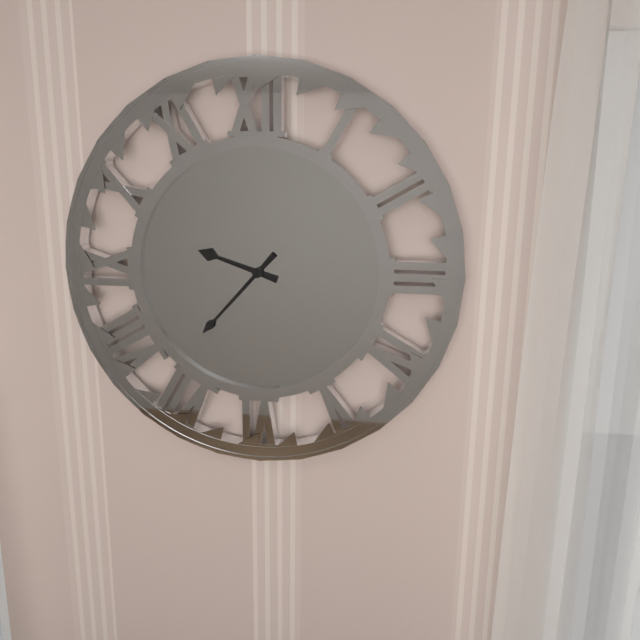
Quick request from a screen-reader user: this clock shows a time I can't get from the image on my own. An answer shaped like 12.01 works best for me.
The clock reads 9.37
